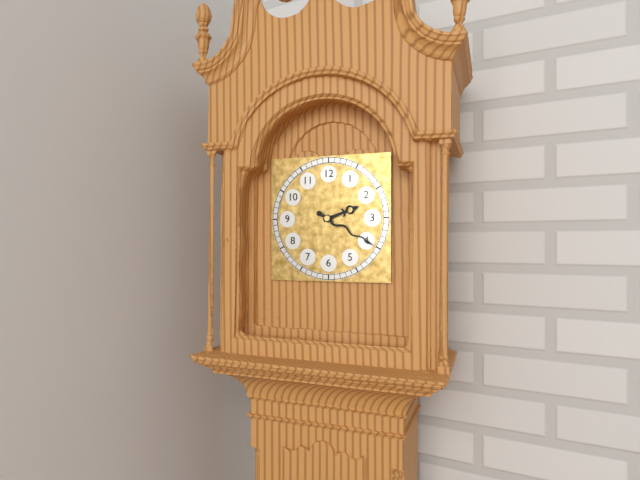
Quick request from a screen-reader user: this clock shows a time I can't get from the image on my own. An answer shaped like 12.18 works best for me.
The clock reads 2.20
